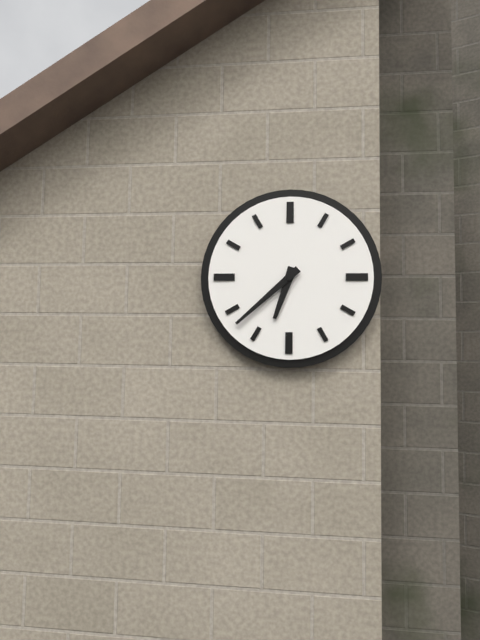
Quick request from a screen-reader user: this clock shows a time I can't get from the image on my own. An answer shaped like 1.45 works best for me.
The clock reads 6.38
